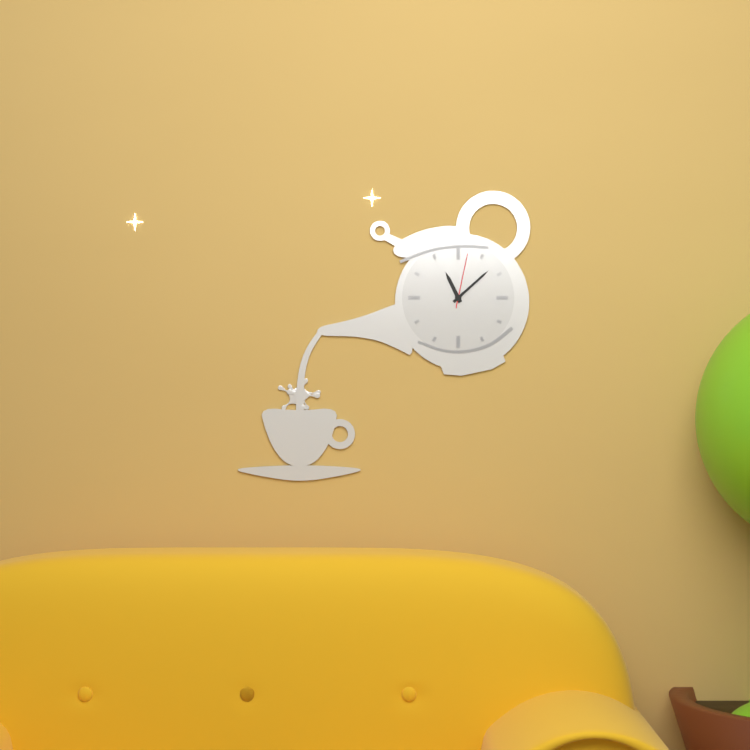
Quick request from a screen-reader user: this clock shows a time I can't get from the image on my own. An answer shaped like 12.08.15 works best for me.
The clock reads 11.08.02
